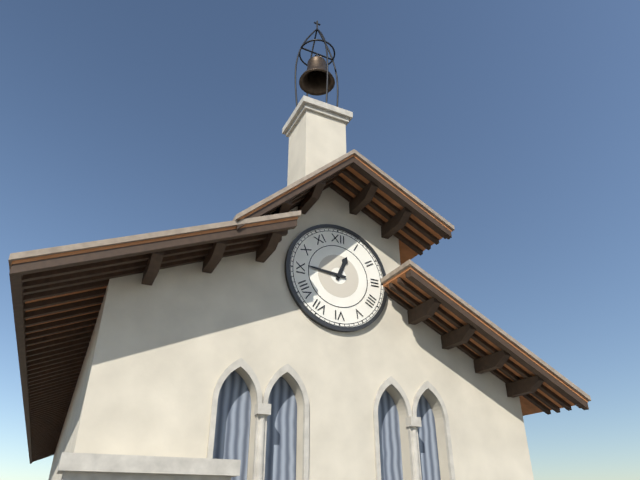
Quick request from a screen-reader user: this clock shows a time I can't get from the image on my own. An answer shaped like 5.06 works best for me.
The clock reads 12.46
